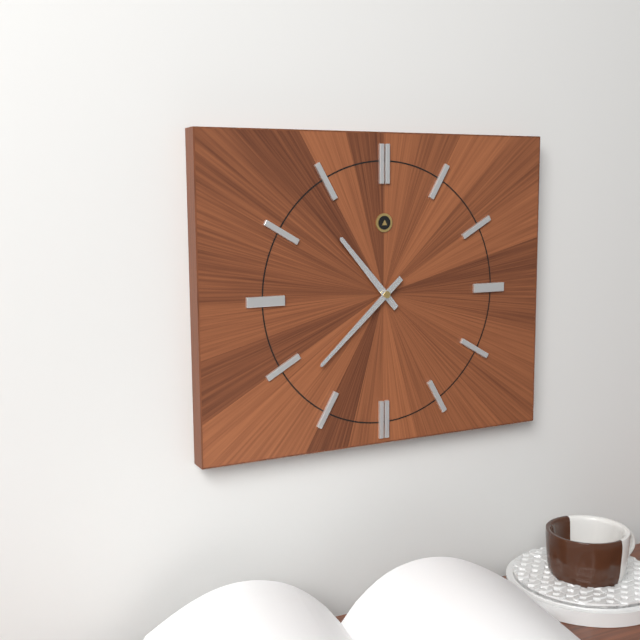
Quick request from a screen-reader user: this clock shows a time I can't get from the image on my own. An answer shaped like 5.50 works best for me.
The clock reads 10.38
